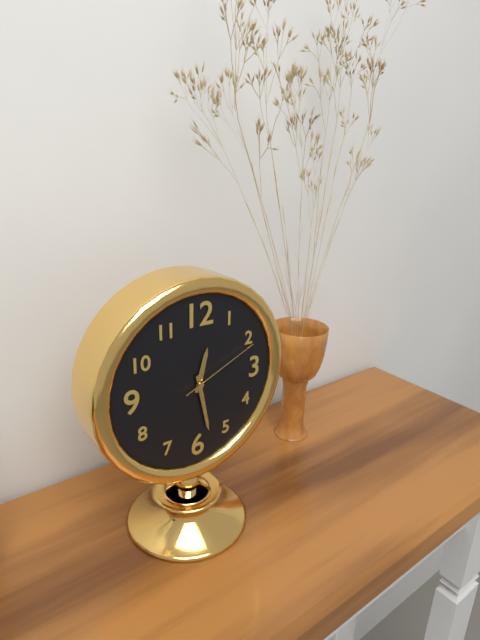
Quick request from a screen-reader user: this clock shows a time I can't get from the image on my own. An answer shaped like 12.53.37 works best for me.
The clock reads 12.28.11
